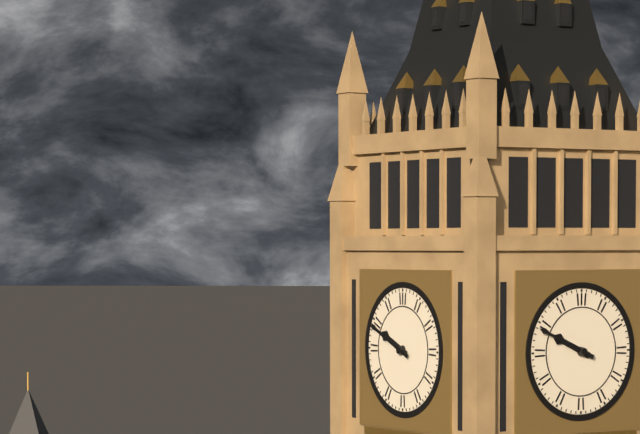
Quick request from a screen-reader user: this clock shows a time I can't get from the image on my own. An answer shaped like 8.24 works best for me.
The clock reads 9.49
